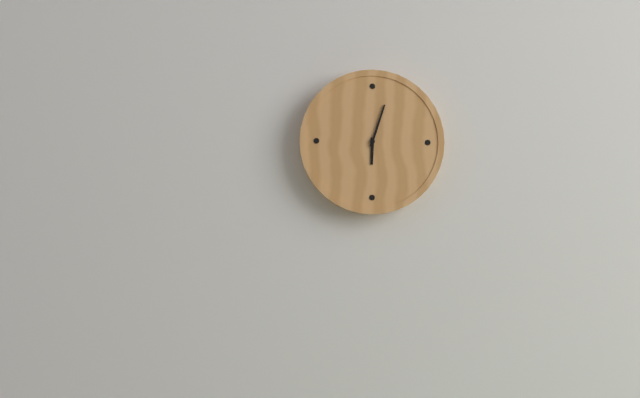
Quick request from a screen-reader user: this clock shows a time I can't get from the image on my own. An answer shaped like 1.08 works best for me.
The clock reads 6.03
